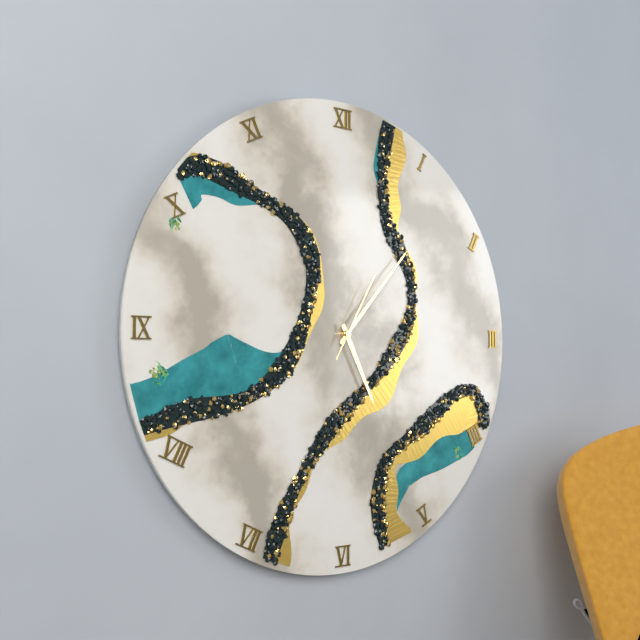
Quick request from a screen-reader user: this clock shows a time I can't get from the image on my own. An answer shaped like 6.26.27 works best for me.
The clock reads 5.07.05
